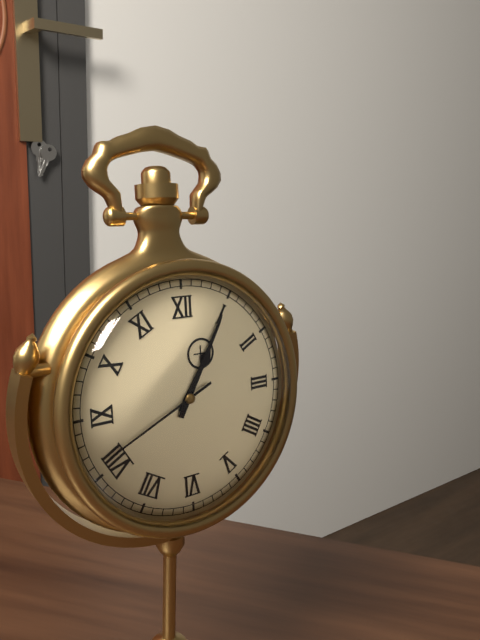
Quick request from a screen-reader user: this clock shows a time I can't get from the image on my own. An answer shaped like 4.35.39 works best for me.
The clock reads 1.05.41
